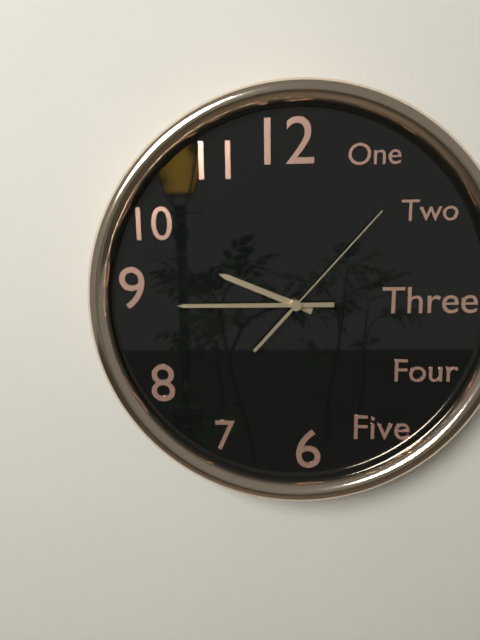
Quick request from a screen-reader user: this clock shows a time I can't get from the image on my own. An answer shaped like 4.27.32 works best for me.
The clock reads 9.45.07
